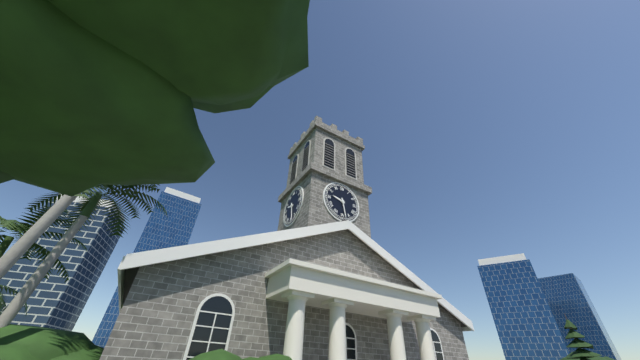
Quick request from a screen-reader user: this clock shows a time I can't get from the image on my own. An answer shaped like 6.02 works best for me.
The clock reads 9.28
